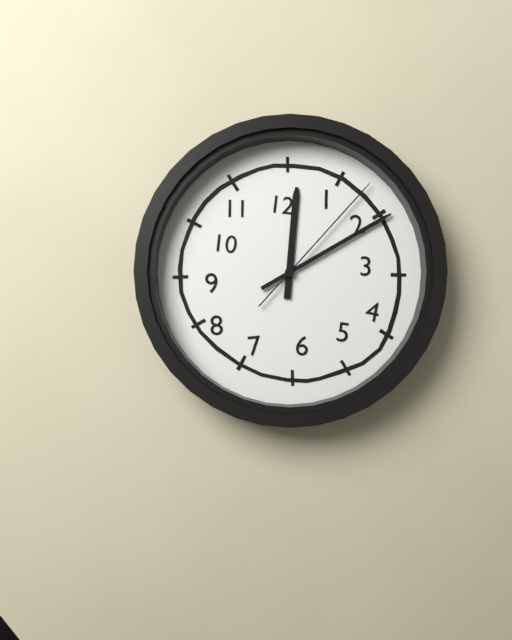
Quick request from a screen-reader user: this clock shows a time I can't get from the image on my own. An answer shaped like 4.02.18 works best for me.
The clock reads 12.10.07
